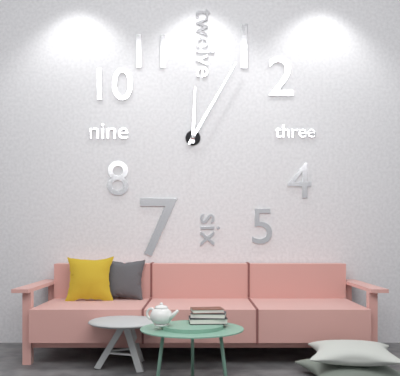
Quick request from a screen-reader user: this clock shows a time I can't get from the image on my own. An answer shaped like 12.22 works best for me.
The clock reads 12.05
